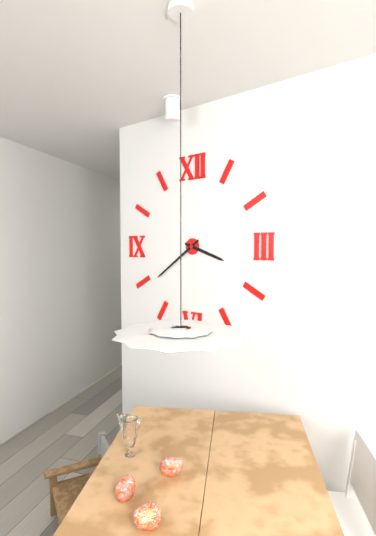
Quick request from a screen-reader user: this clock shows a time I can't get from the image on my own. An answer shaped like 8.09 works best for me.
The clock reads 3.39
